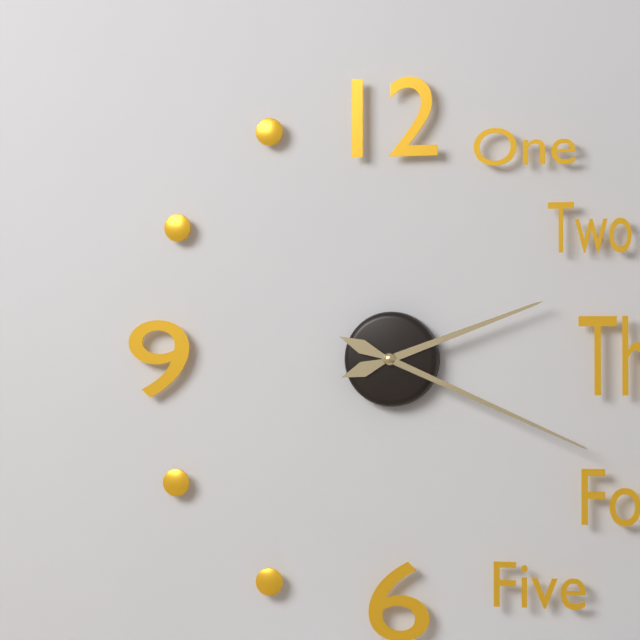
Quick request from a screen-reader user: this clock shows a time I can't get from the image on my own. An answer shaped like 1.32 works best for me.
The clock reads 2.19
